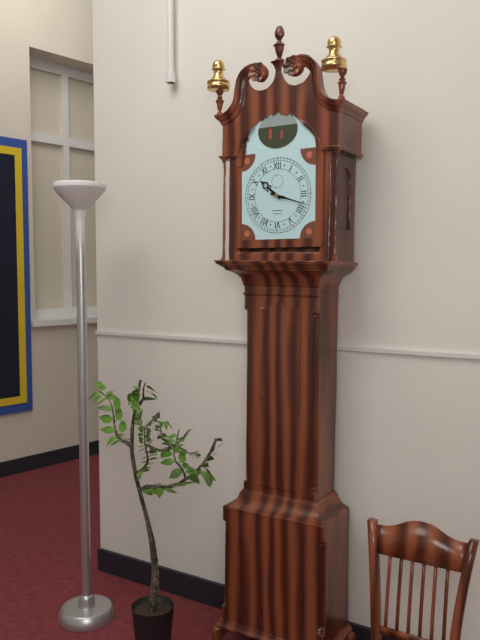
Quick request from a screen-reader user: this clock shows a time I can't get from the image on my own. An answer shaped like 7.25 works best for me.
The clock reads 10.18
